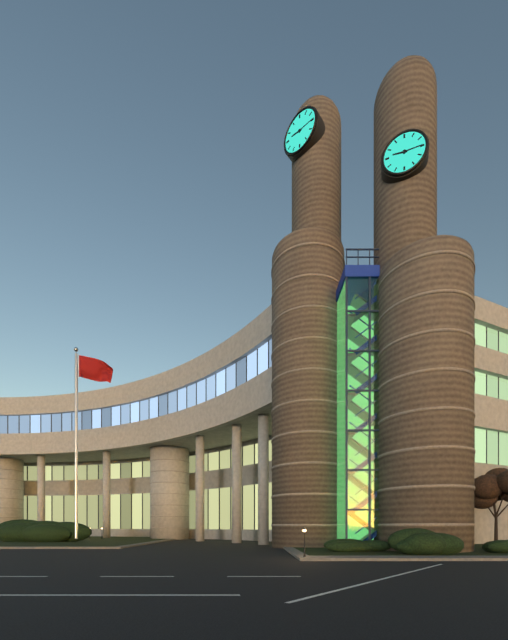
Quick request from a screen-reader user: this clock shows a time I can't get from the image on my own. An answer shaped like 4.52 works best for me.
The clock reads 9.15
